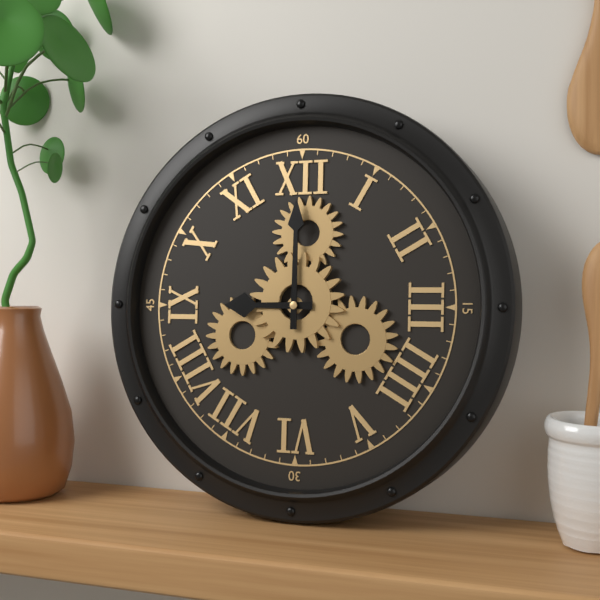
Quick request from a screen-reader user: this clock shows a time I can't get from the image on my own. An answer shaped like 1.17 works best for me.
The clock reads 9.00
